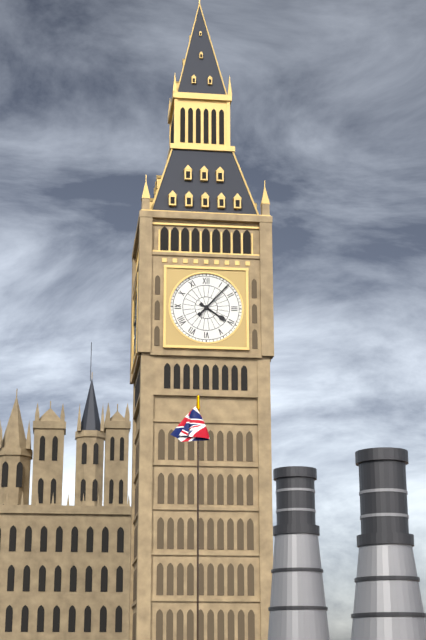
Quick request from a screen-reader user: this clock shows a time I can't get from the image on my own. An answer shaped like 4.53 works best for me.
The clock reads 4.07
